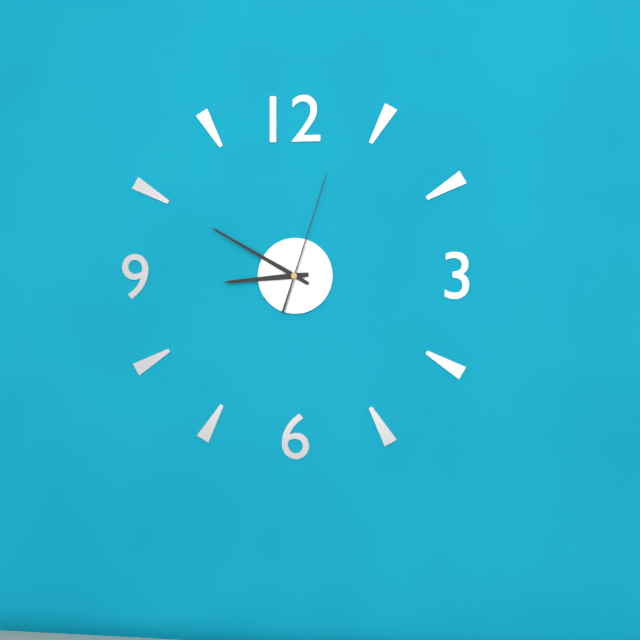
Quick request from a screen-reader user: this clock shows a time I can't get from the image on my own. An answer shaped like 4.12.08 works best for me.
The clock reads 8.50.03
